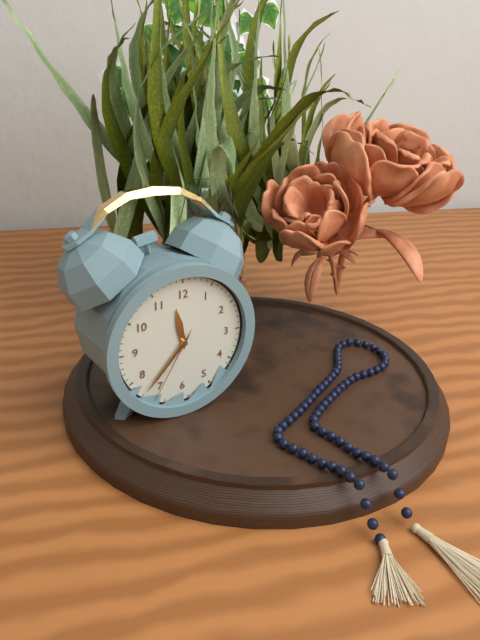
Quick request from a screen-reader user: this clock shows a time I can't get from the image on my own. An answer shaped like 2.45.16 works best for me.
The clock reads 11.37.35
